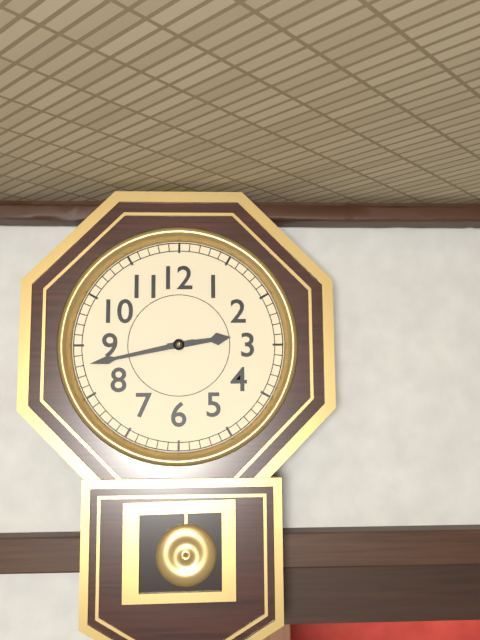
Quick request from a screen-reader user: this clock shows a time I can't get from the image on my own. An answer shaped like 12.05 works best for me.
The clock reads 2.43
